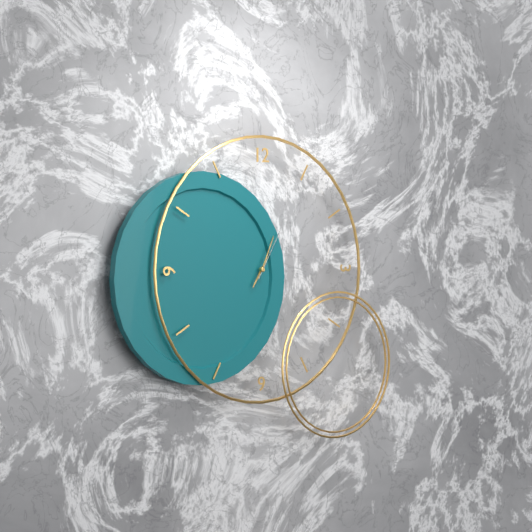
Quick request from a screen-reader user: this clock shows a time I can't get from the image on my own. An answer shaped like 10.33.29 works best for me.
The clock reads 7.04.05
